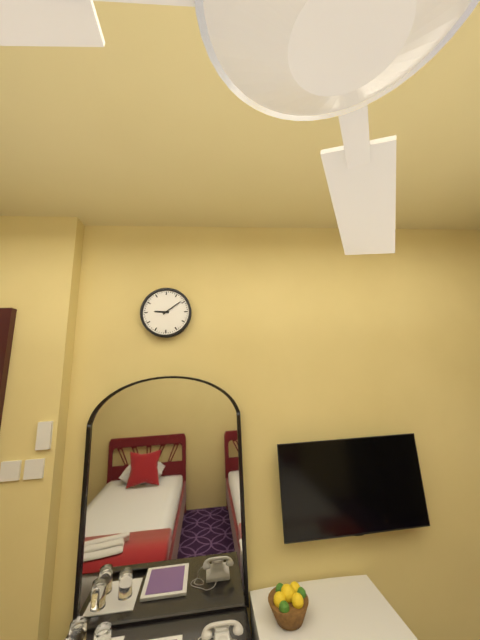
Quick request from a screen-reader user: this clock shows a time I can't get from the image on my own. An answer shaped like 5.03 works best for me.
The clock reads 9.09
